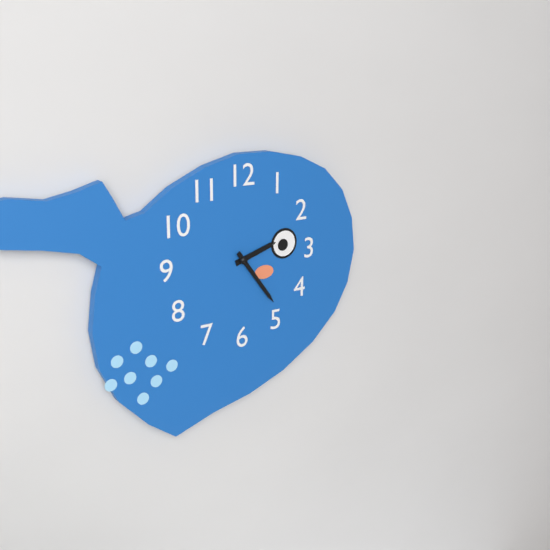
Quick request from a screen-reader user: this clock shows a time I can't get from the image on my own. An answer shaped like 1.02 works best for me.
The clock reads 2.24
